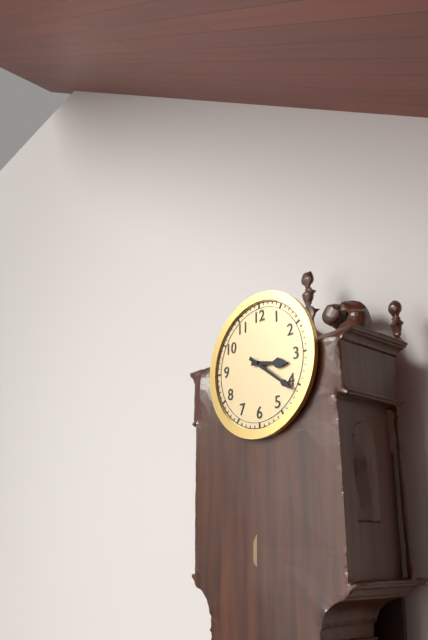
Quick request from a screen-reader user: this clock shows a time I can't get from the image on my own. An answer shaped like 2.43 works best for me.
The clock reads 3.21
